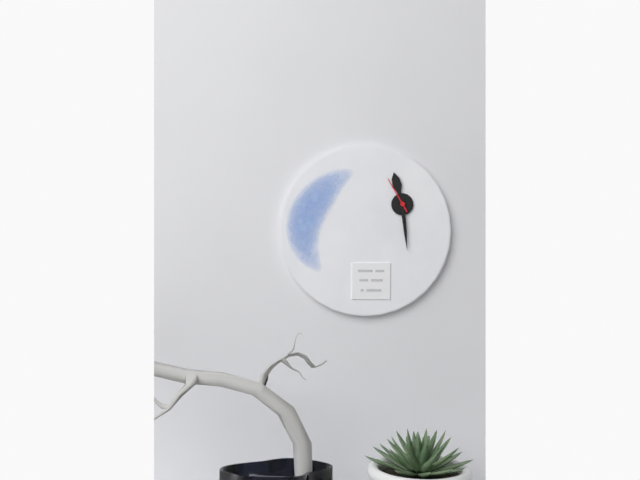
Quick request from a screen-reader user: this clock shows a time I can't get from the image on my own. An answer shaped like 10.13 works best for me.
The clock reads 11.29
